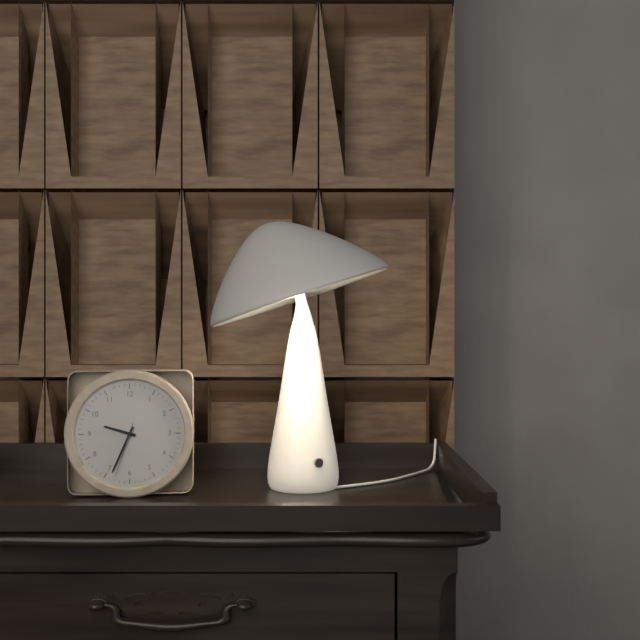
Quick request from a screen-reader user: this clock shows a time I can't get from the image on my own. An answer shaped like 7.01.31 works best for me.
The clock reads 9.34.33
